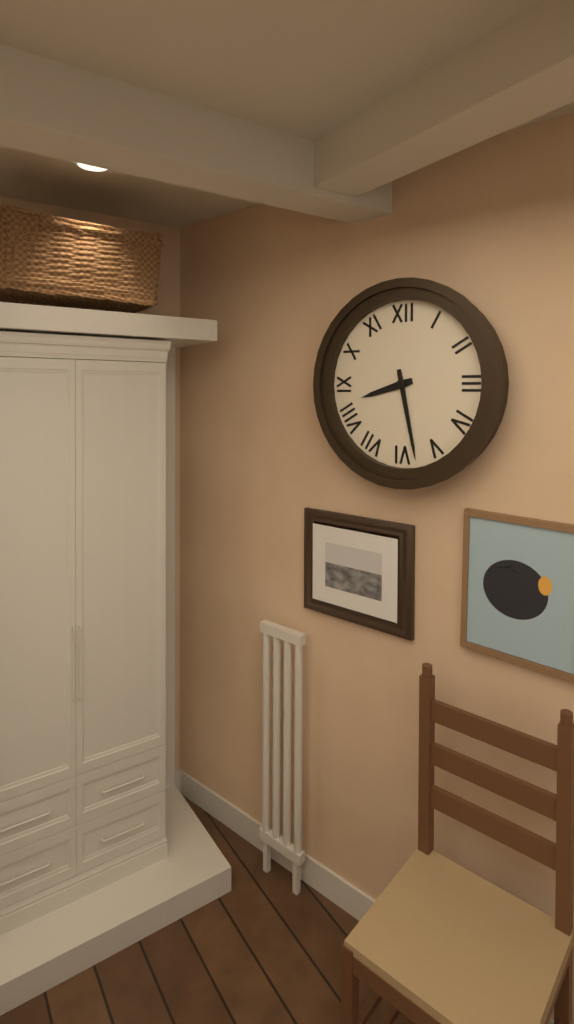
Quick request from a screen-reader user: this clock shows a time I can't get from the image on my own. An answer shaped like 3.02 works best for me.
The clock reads 8.28
